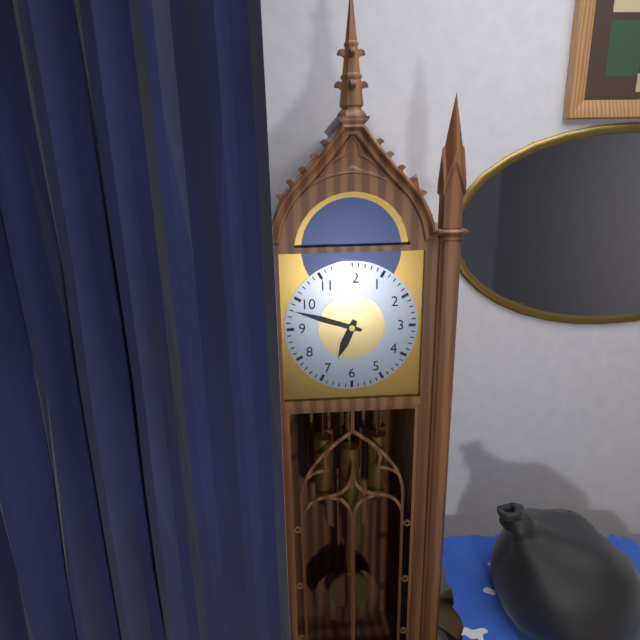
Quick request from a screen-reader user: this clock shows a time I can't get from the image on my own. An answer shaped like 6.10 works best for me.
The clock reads 6.48
